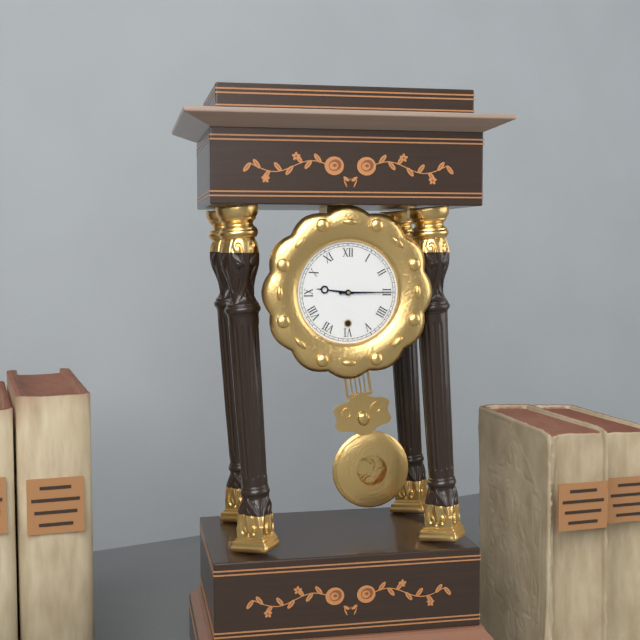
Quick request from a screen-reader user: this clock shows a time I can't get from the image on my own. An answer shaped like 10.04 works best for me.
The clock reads 9.15
